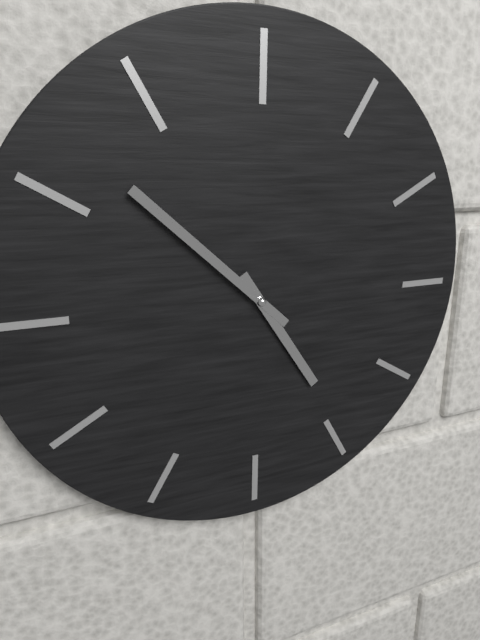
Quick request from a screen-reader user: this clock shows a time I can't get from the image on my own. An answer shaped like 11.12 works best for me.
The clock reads 4.52
